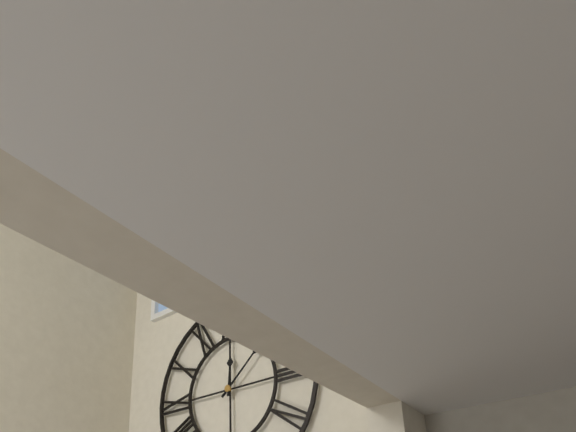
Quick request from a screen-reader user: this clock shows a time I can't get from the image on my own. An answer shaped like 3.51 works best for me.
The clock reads 12.08
